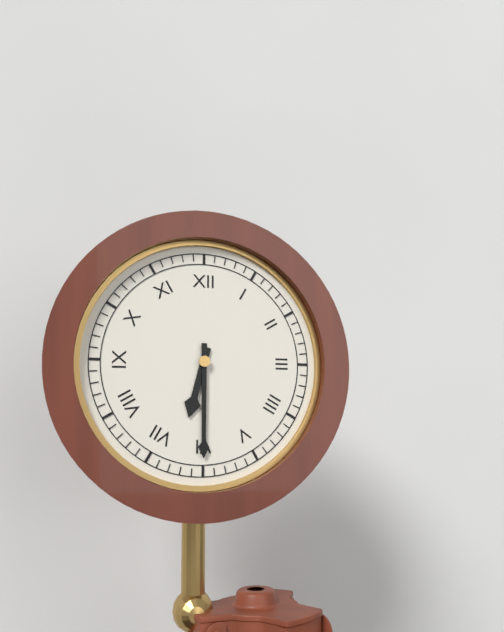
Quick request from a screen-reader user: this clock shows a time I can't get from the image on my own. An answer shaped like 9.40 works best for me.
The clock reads 6.30
